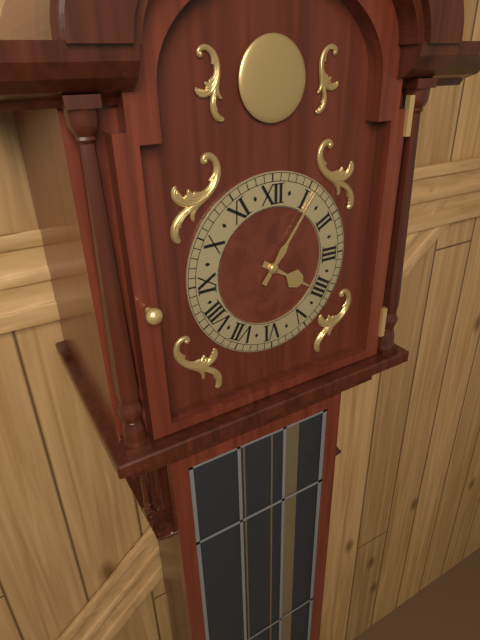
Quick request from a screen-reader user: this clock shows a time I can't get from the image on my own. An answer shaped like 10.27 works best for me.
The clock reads 4.06
